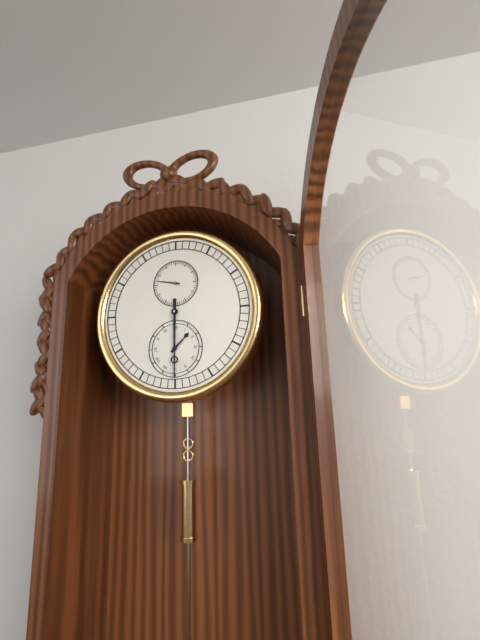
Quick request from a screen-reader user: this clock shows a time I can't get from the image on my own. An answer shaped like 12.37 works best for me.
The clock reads 1.30
